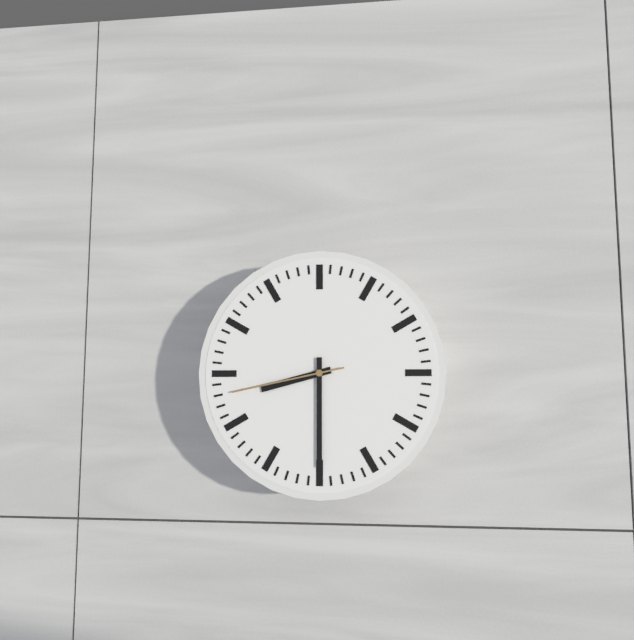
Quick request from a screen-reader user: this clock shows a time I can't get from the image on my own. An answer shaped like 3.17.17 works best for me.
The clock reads 8.30.43
